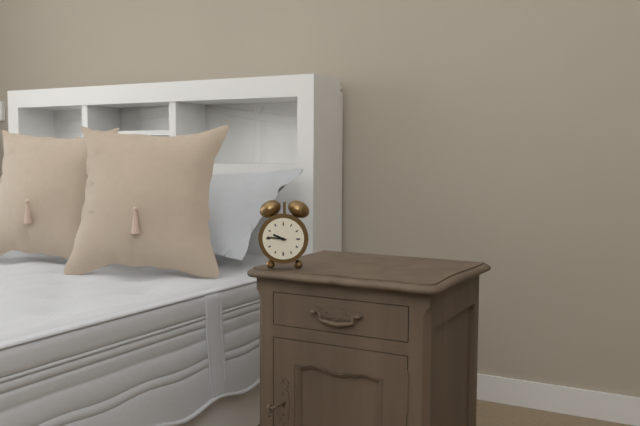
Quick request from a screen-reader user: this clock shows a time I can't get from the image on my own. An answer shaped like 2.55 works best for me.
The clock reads 9.46
